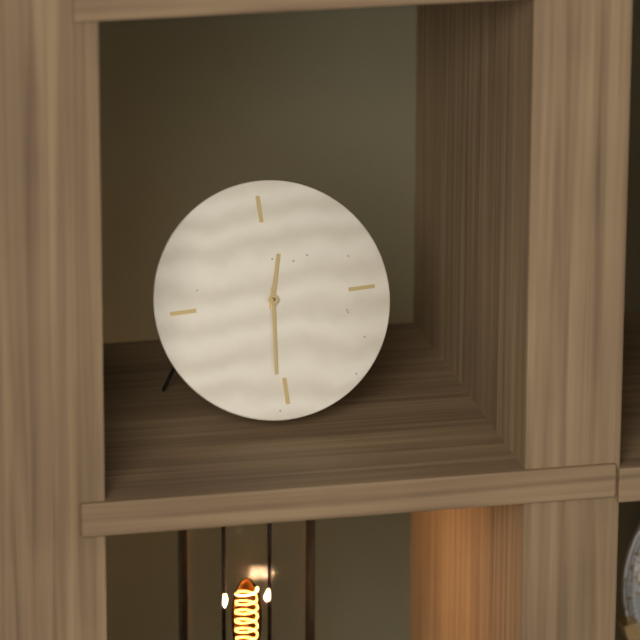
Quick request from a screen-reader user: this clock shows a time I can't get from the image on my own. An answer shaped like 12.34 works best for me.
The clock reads 12.31
